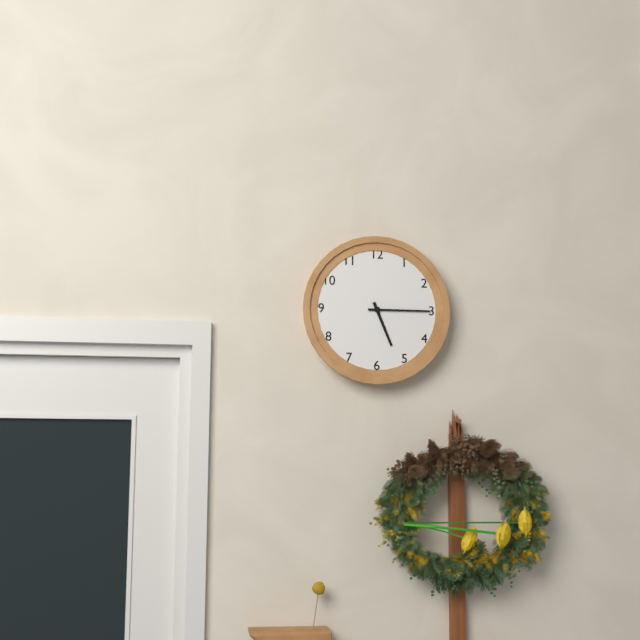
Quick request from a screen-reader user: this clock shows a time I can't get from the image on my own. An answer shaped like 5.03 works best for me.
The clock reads 5.15
